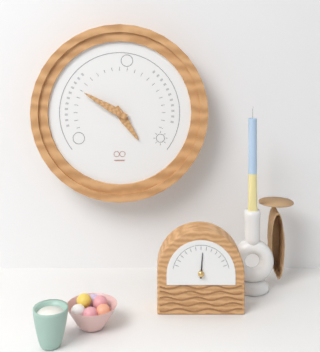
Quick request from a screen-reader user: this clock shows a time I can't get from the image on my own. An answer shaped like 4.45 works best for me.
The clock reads 4.50
